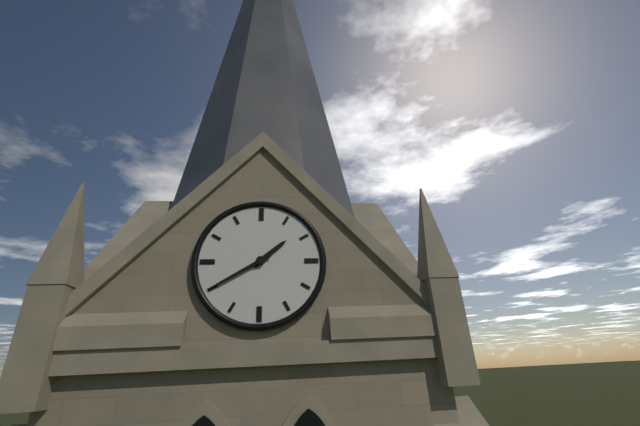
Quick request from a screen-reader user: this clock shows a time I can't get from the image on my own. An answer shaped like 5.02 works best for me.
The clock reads 1.40
